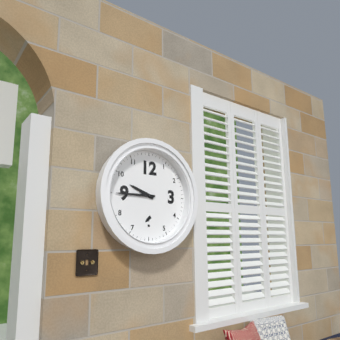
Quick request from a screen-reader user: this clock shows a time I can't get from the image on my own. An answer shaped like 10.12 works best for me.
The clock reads 9.45
